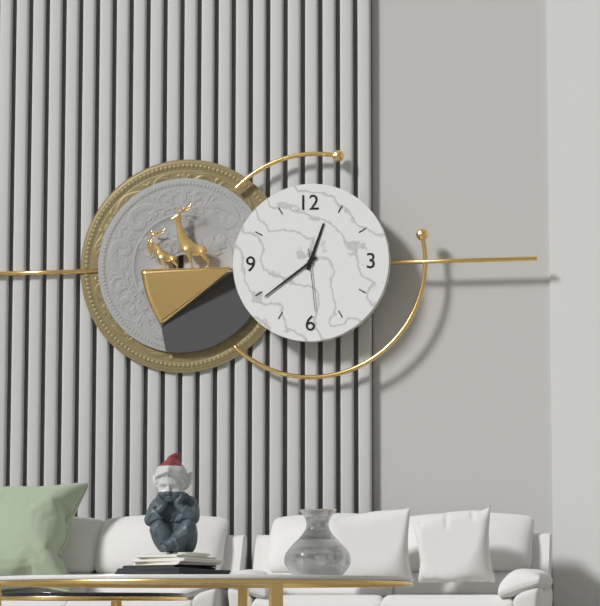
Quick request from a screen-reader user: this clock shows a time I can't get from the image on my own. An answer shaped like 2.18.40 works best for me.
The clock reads 12.39.29
